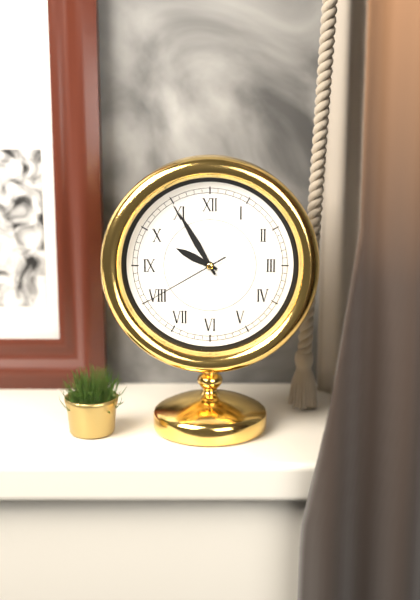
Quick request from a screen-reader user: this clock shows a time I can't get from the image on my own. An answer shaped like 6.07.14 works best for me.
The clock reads 9.55.40
